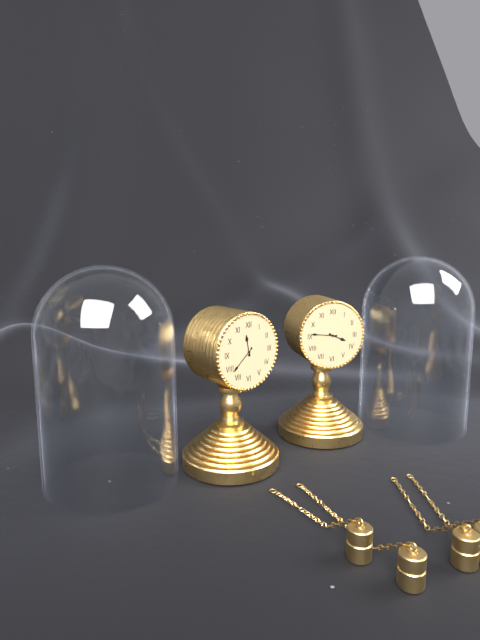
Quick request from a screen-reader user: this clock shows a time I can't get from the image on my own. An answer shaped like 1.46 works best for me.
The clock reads 11.38
